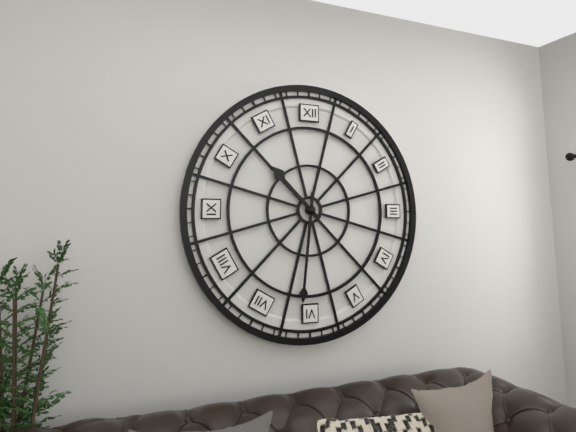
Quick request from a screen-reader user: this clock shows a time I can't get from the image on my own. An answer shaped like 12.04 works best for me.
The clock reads 10.31
